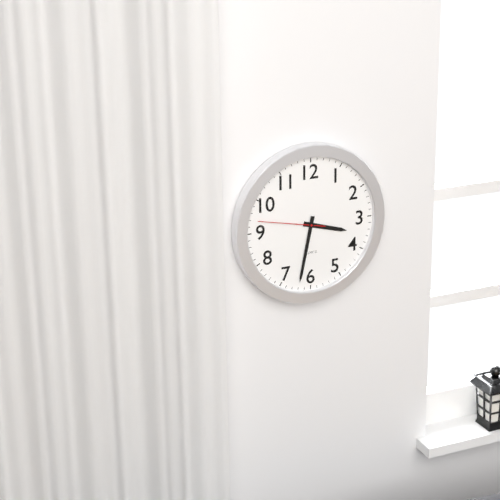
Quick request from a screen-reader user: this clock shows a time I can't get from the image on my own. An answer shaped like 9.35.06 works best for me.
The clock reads 3.32.47
